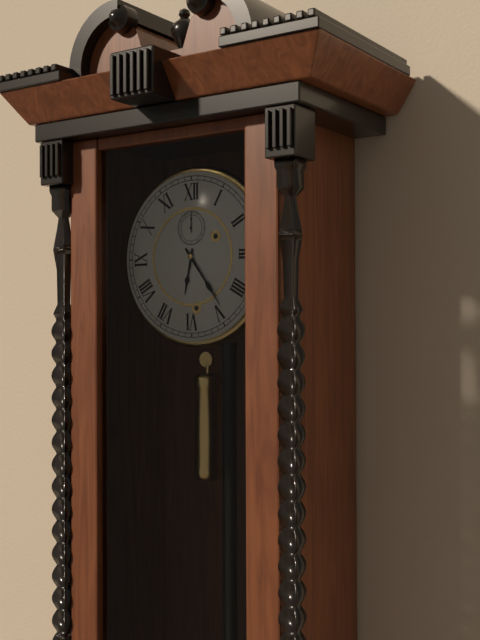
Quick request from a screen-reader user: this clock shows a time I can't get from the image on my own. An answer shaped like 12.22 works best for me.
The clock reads 6.24
